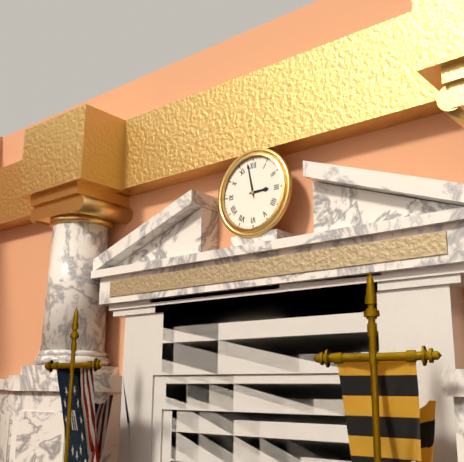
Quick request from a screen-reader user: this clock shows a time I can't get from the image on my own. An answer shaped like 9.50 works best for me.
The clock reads 2.58
